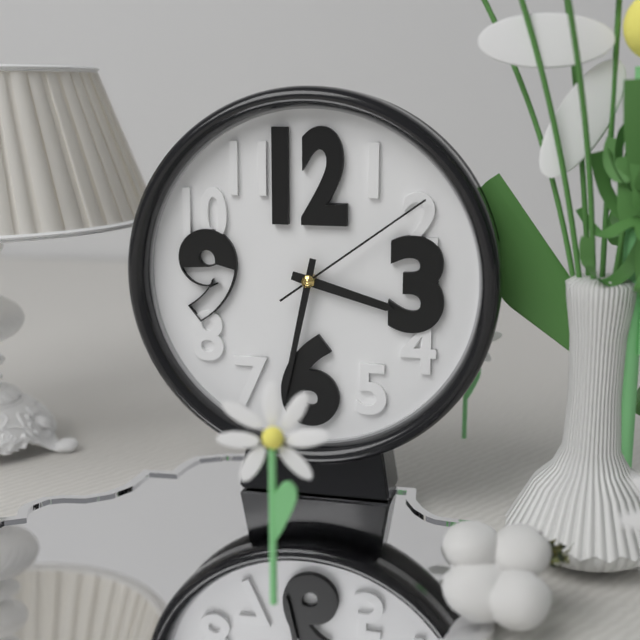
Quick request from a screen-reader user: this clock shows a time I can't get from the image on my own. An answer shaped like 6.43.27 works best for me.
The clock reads 3.32.09
